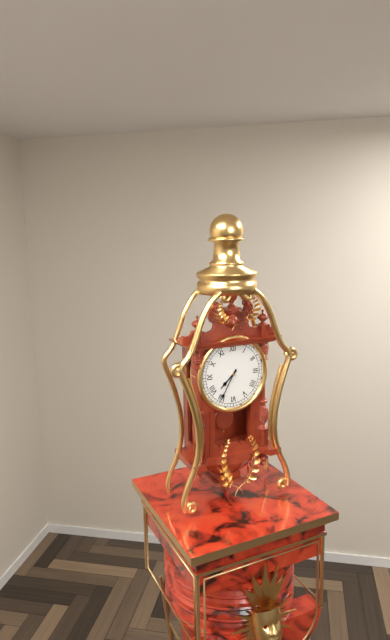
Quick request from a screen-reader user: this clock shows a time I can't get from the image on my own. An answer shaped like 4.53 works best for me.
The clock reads 7.35
